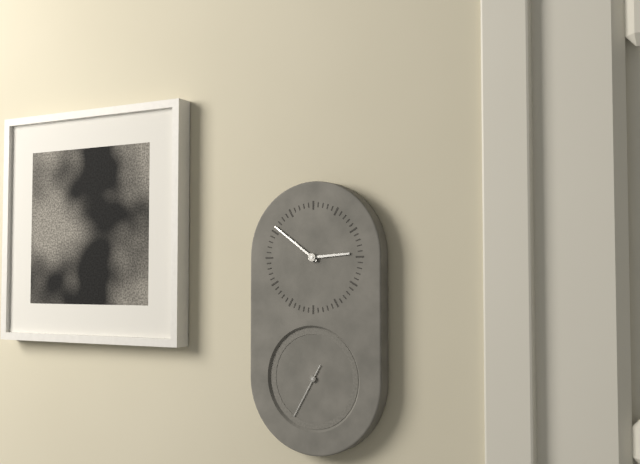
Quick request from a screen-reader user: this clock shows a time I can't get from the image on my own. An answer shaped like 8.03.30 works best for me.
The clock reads 2.51.35
